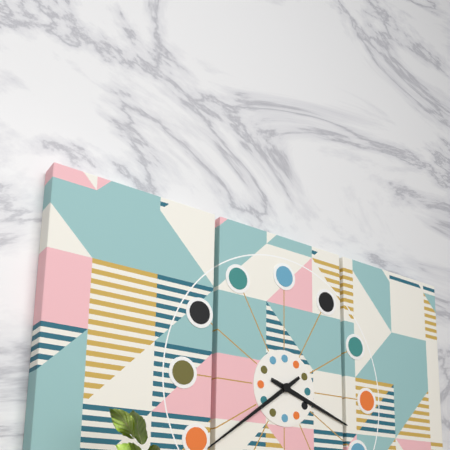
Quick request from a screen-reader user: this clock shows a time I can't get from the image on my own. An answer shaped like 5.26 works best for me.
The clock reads 3.39
